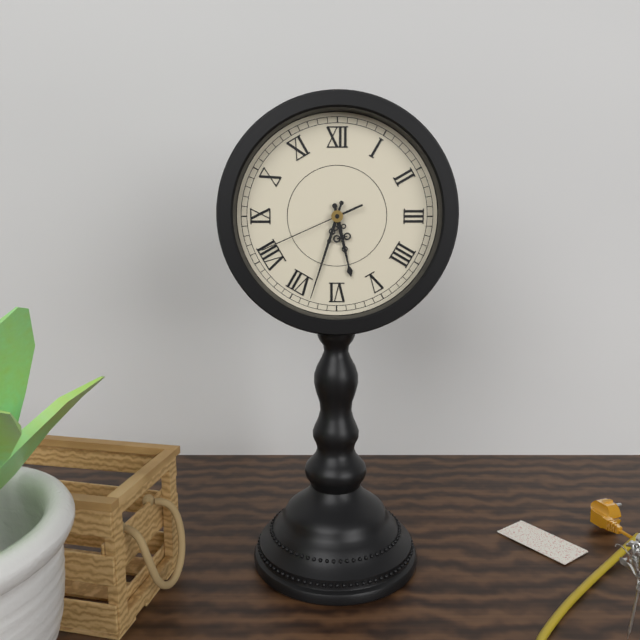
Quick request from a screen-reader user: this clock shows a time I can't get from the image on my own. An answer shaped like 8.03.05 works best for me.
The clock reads 5.33.41
